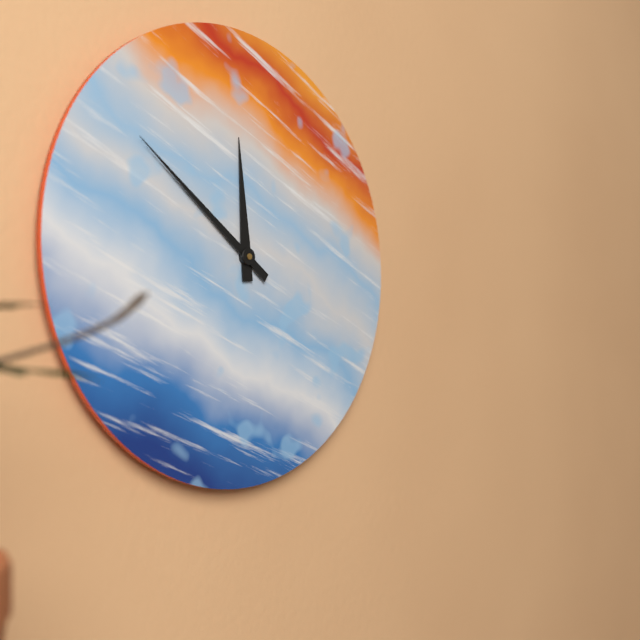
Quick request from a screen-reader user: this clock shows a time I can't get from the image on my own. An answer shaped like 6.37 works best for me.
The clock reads 11.51
